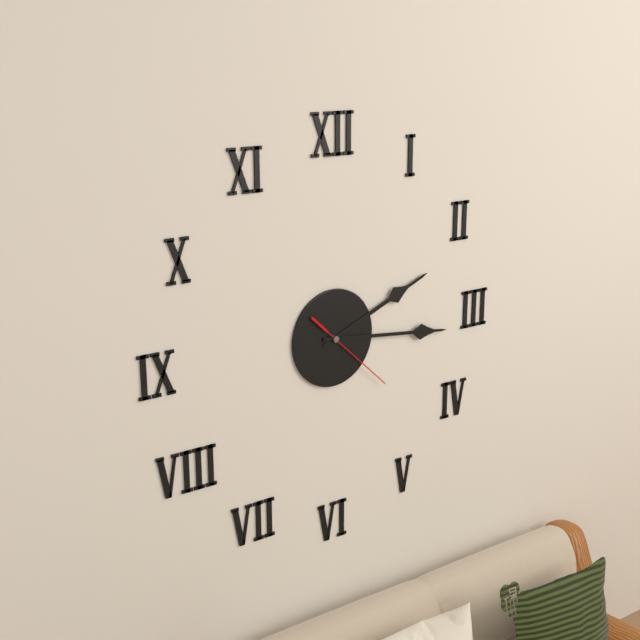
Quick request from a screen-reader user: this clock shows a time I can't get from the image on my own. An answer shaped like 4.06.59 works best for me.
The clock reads 2.16.22
